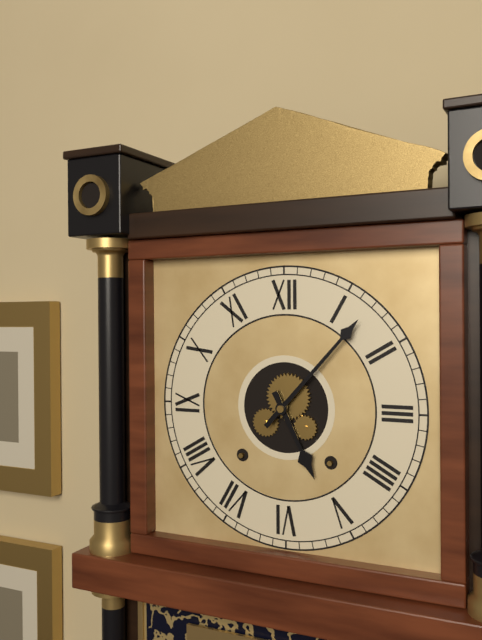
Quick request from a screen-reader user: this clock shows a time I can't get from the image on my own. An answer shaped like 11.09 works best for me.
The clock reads 5.07
